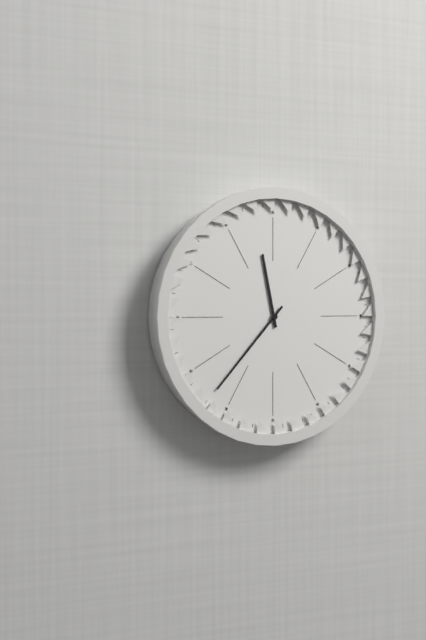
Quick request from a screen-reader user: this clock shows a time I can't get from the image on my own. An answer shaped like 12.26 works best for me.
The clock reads 11.37
